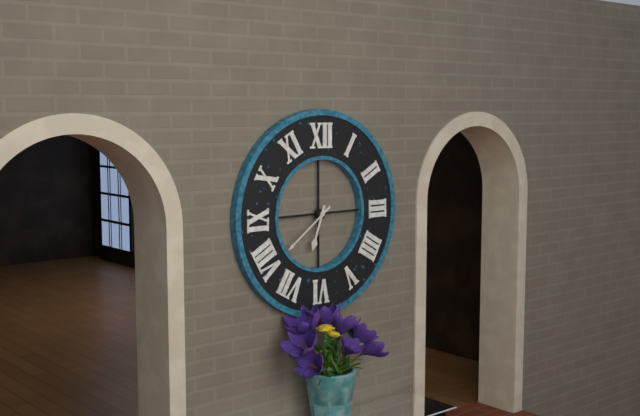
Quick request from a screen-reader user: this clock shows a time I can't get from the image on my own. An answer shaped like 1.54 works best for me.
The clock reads 6.39
